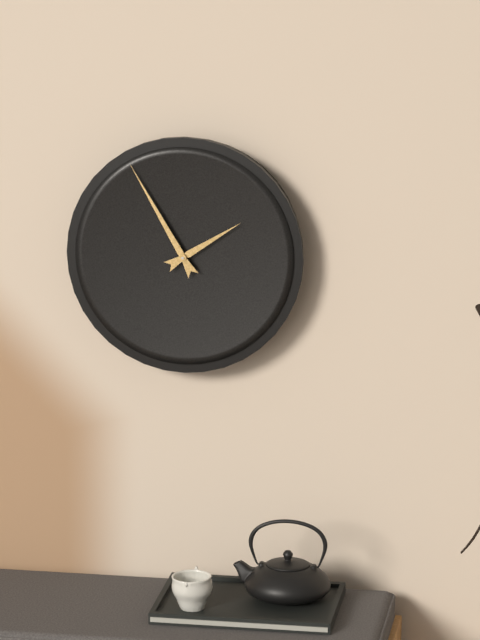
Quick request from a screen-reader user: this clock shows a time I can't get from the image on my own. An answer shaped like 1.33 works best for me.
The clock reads 1.55
